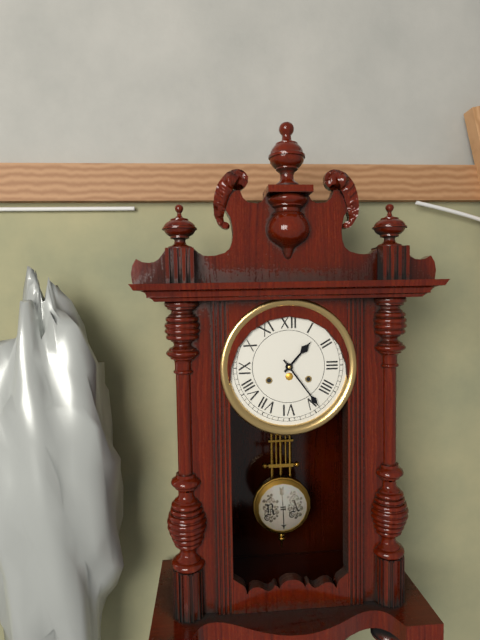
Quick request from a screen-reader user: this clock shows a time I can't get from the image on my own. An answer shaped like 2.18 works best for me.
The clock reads 1.24
